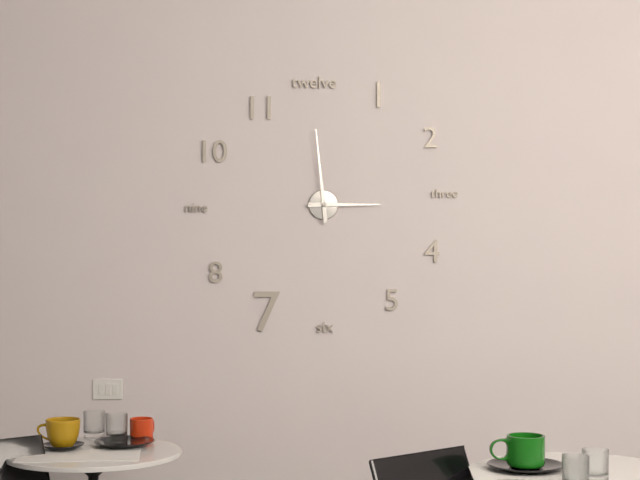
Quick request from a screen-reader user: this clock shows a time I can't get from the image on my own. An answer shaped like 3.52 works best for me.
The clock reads 2.59
